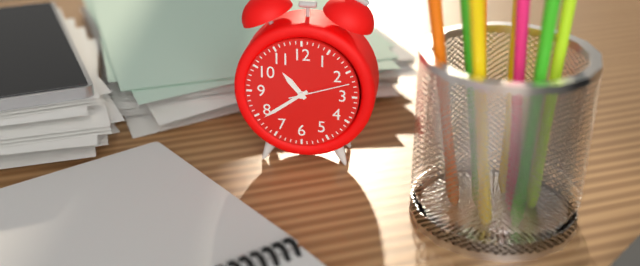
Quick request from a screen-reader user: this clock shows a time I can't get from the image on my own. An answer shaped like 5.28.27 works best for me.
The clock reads 10.39.12
